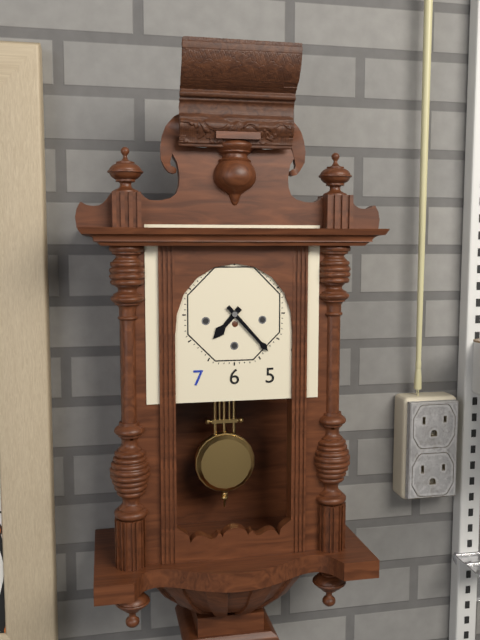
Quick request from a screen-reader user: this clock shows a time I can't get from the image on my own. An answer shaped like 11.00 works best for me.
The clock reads 7.23
